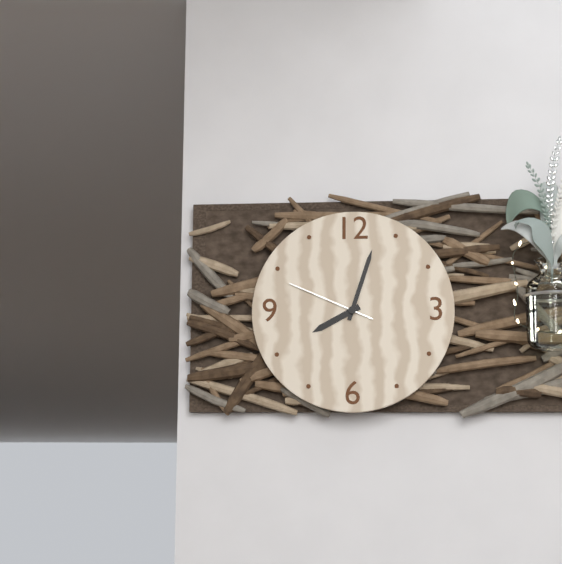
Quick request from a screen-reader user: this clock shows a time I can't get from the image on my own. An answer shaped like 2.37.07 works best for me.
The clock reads 8.03.49
